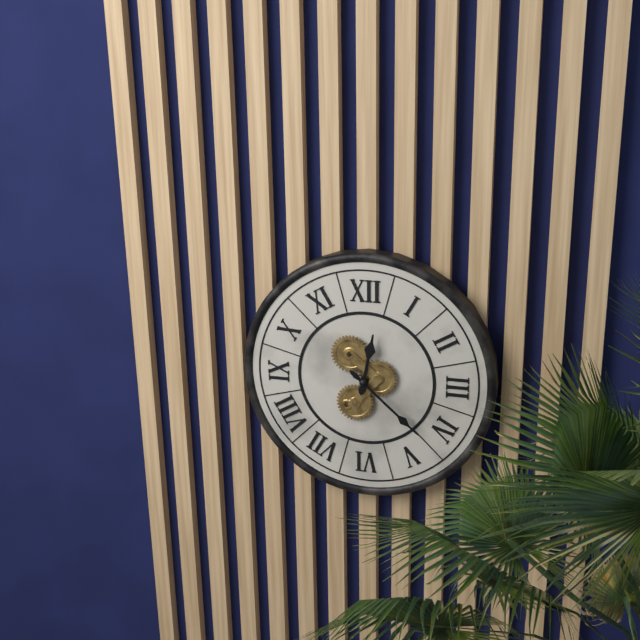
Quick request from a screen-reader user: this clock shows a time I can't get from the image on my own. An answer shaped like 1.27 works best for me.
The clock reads 12.22
